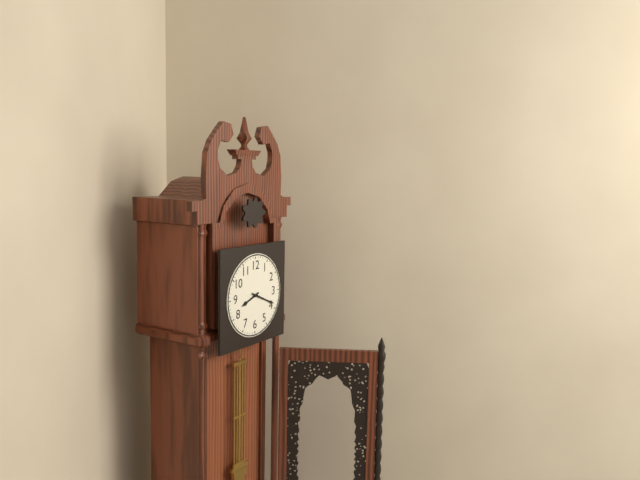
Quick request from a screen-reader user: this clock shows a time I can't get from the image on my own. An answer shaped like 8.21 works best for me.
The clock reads 8.19
